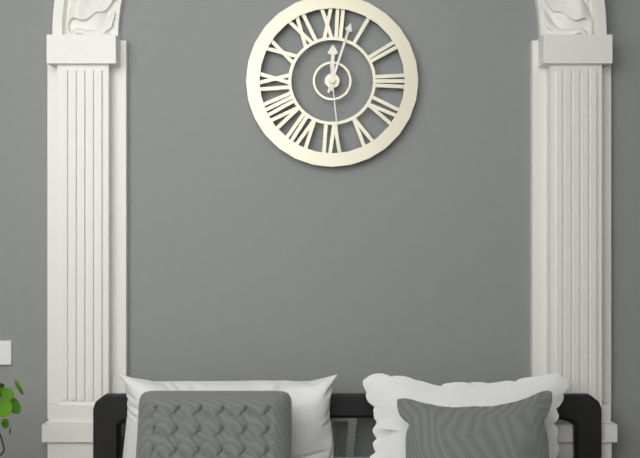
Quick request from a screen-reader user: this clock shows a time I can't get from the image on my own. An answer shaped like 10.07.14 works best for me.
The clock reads 12.03.29
